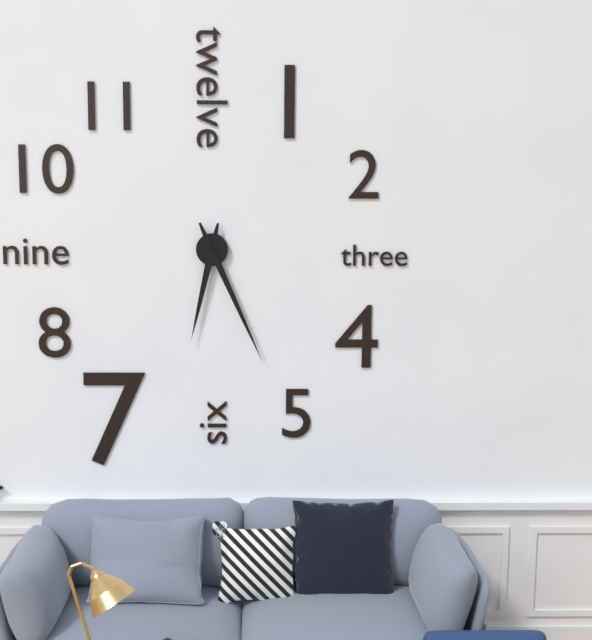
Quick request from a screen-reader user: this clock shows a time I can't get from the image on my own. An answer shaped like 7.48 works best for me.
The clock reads 6.26
